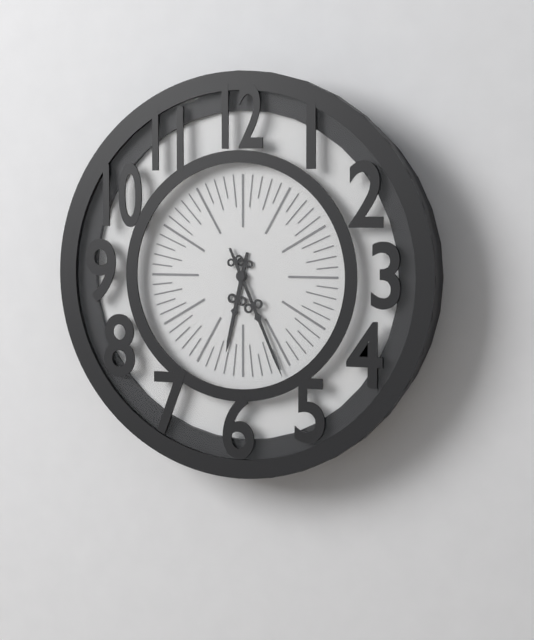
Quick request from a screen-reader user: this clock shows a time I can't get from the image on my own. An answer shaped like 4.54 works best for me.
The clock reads 6.26
